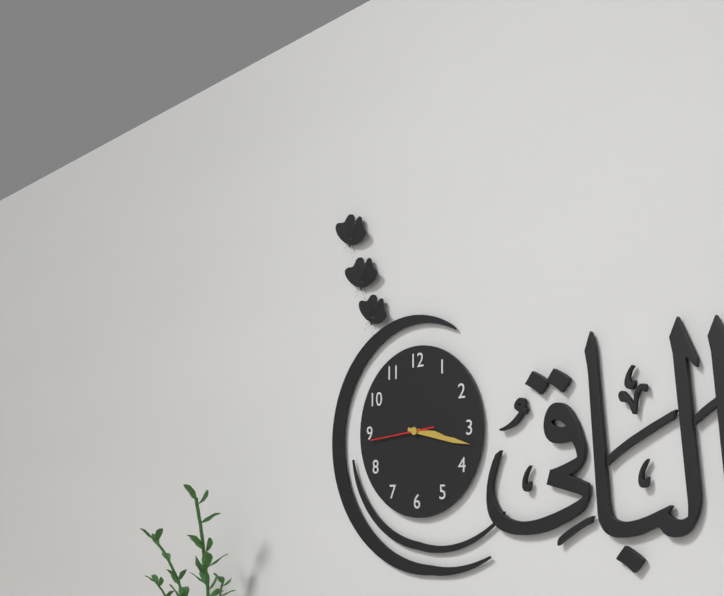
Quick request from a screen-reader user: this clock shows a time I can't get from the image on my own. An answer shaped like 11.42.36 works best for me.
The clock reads 3.17.44
